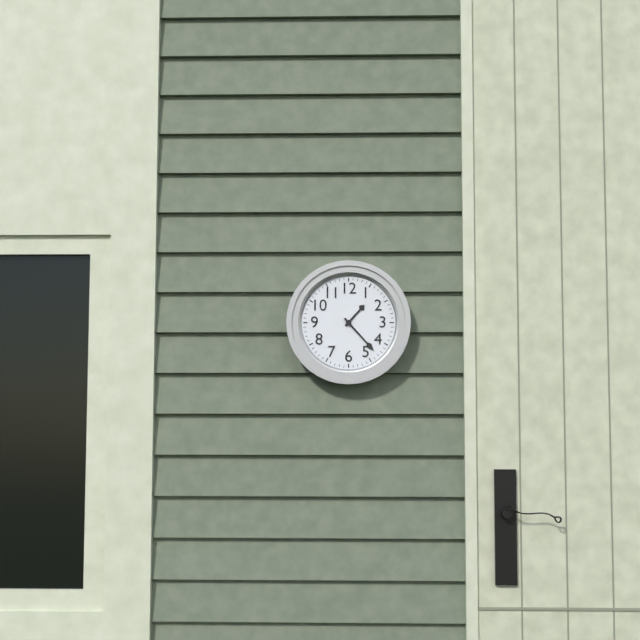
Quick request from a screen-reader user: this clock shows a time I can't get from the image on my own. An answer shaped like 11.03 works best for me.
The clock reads 1.23
